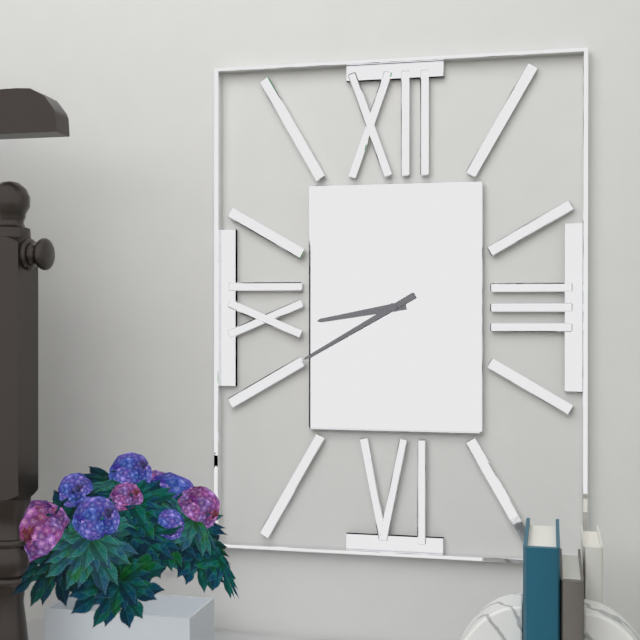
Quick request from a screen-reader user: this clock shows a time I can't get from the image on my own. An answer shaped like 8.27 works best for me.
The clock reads 8.40
